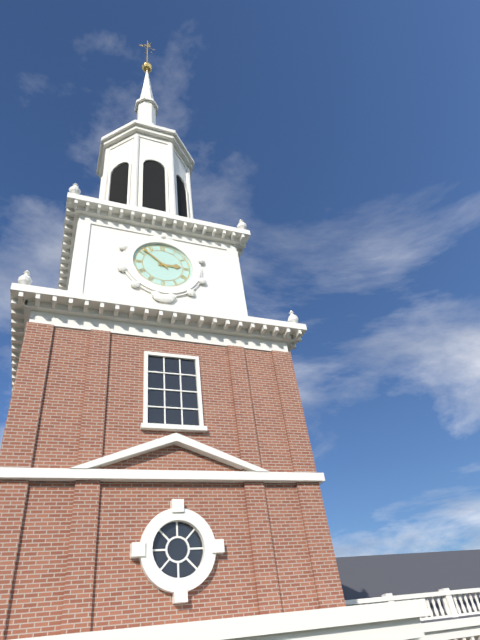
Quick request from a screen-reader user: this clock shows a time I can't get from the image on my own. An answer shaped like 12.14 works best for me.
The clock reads 2.52
